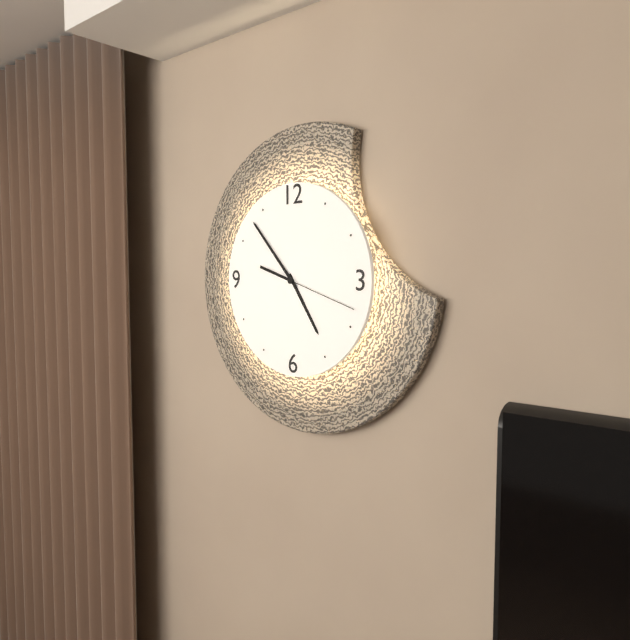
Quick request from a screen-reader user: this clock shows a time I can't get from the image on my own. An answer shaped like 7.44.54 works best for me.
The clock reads 4.53.18
